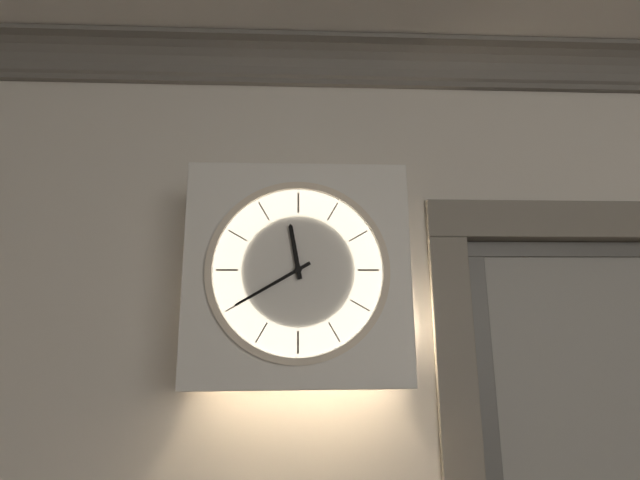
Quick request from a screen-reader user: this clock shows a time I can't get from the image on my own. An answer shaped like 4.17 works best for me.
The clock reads 11.40
